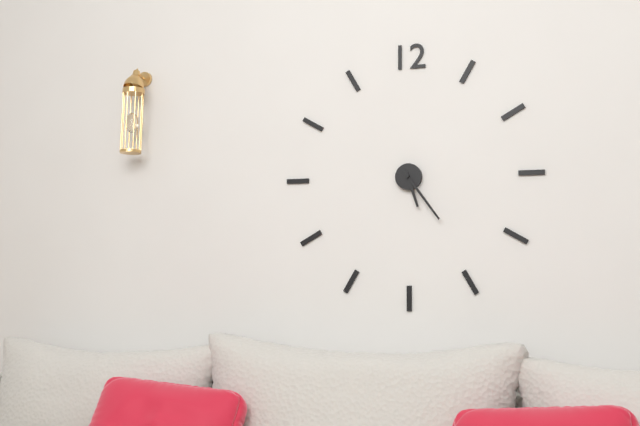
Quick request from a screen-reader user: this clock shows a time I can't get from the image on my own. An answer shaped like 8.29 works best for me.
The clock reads 5.24
